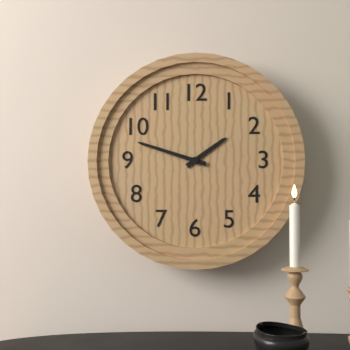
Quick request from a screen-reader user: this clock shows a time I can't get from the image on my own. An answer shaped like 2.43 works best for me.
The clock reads 1.48
